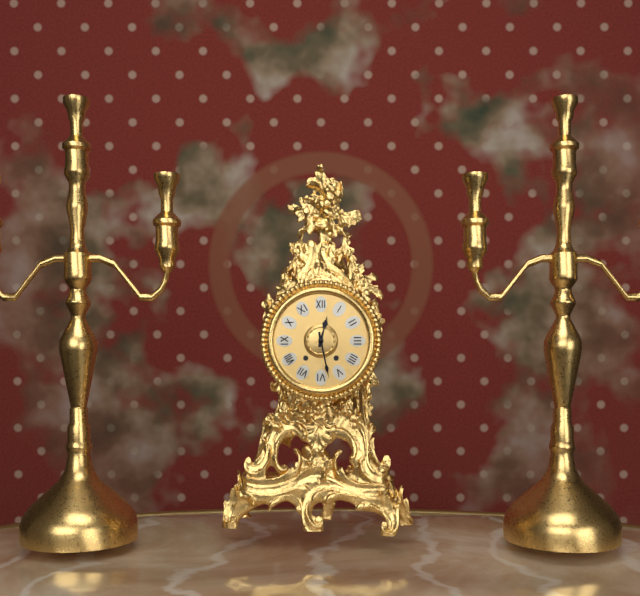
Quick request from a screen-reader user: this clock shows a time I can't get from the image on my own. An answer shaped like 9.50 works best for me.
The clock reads 12.28
